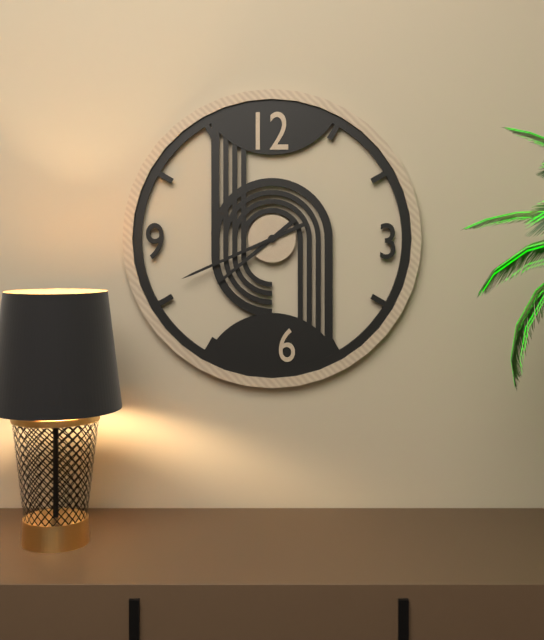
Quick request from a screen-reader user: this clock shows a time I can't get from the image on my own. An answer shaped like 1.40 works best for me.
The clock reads 7.41
